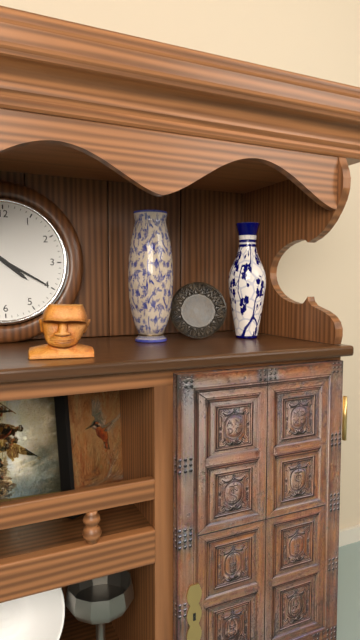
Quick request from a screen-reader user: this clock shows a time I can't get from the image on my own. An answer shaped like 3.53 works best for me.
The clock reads 4.20
